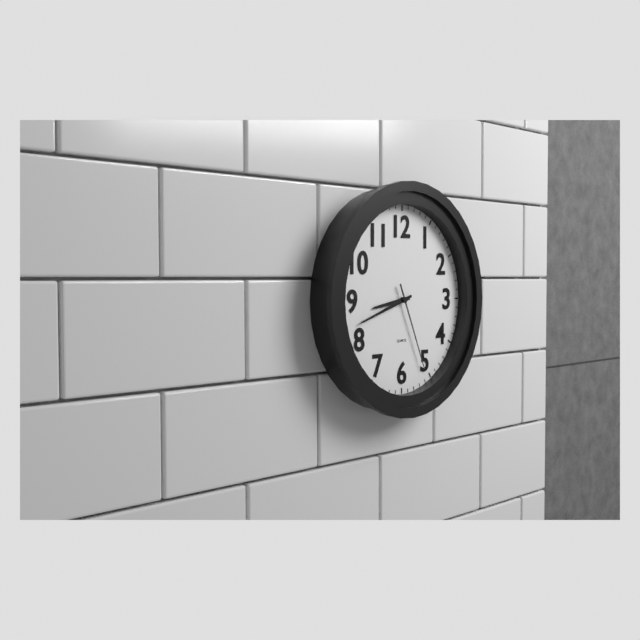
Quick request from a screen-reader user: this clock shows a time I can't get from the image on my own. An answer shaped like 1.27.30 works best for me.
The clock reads 8.42.26
